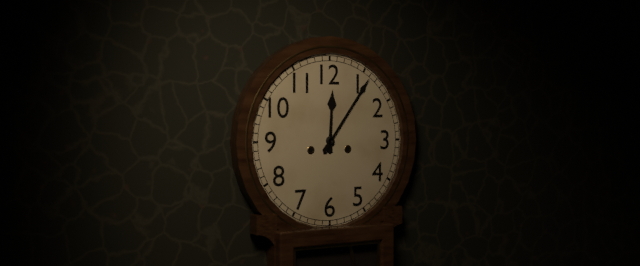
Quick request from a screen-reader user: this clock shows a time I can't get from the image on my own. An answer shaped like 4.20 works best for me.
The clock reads 12.06
